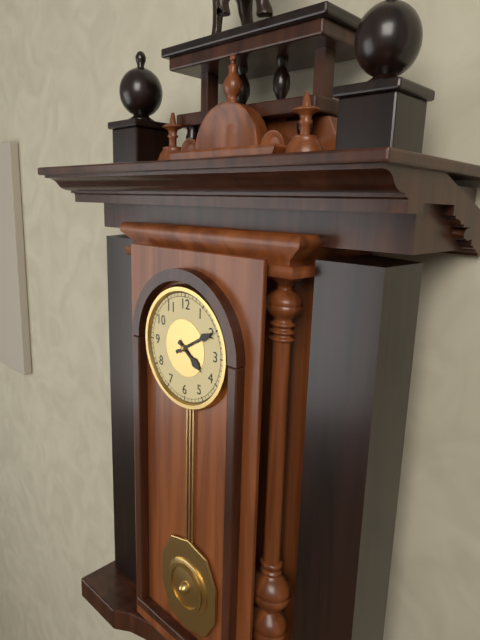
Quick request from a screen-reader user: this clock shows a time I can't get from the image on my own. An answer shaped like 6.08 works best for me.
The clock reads 4.10
